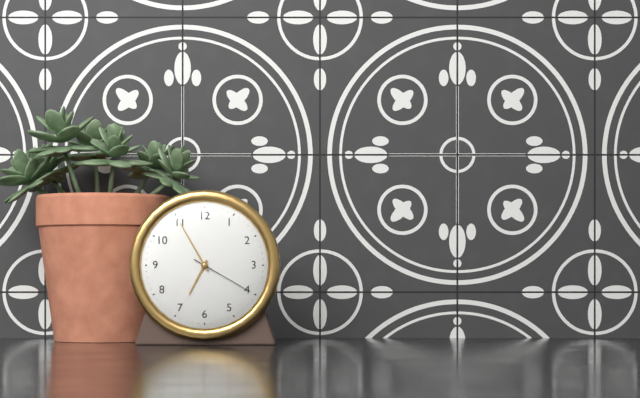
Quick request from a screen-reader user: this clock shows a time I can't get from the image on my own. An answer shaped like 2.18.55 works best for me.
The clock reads 6.55.20
